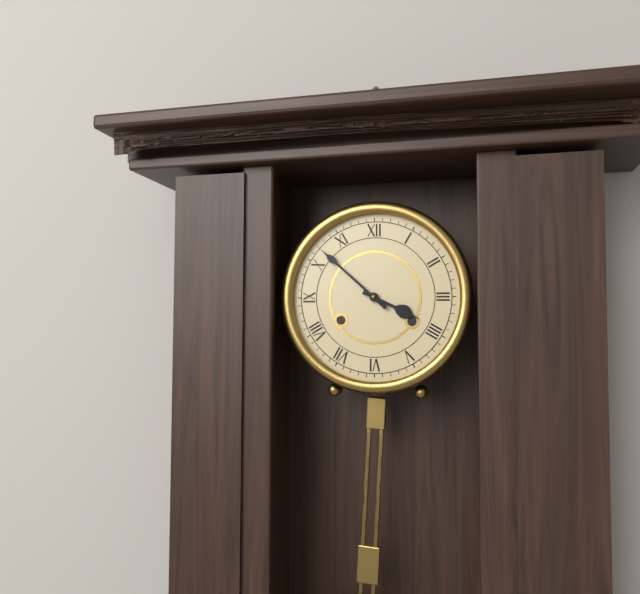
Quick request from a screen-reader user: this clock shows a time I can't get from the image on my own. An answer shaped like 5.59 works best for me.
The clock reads 3.52
